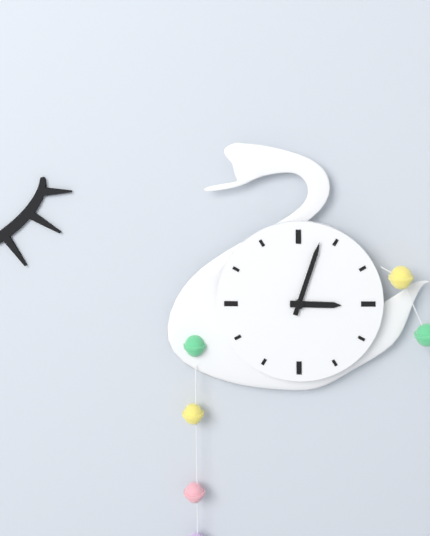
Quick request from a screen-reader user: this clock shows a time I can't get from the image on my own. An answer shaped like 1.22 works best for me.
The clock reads 3.03
